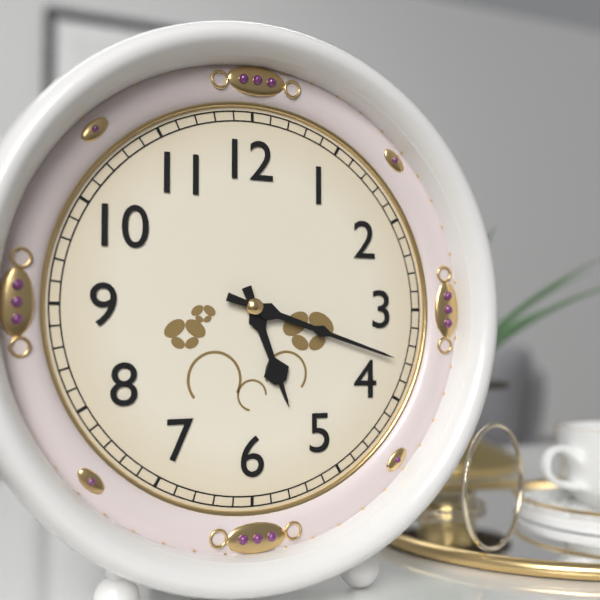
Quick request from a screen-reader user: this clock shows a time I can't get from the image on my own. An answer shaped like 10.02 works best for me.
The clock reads 5.18
